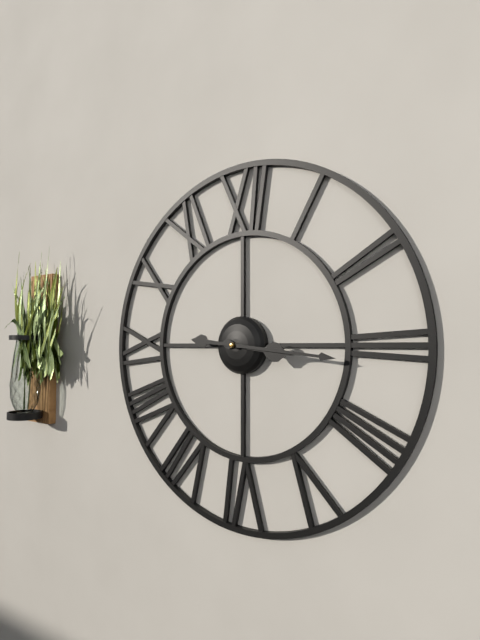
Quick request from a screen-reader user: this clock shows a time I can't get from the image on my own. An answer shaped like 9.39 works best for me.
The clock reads 3.16
